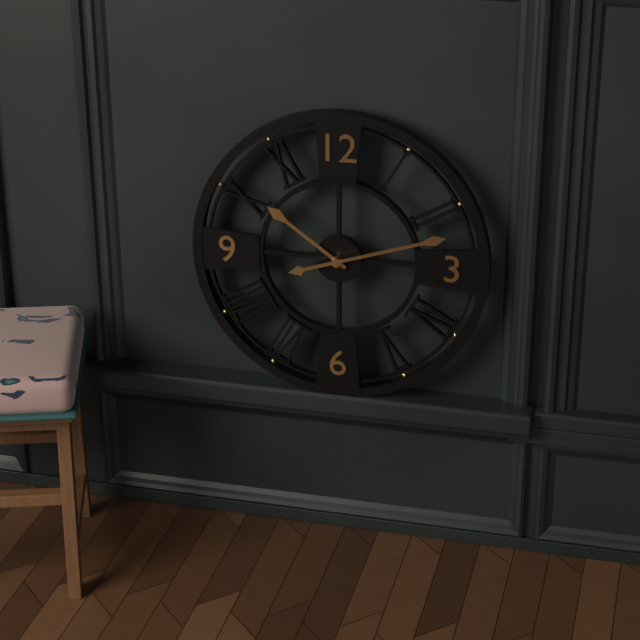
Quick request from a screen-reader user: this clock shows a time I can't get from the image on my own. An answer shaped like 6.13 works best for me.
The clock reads 10.12
